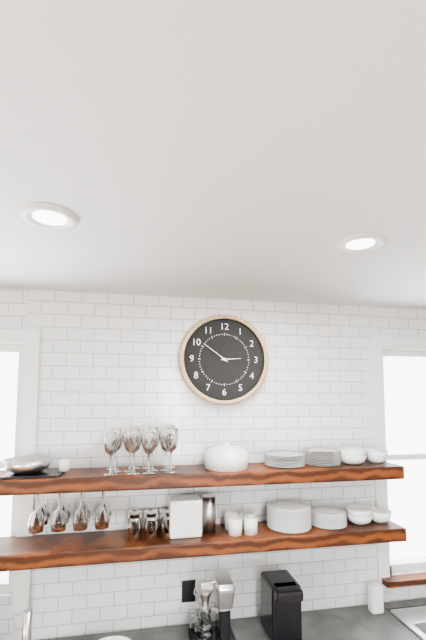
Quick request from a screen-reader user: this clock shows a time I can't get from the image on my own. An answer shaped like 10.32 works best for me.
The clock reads 2.51
